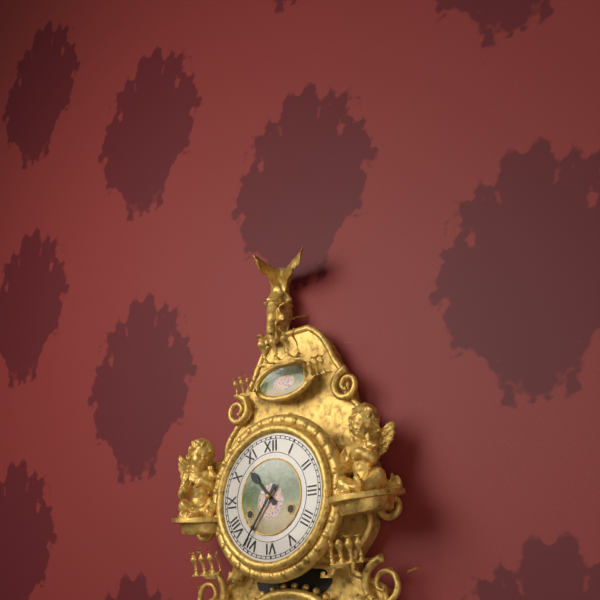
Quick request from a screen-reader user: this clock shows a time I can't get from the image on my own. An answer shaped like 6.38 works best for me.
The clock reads 10.36
